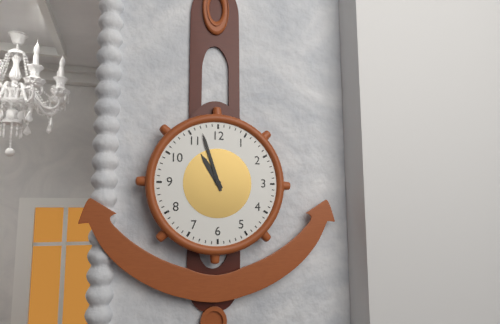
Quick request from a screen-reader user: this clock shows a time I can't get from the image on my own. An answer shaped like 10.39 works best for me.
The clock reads 10.57
